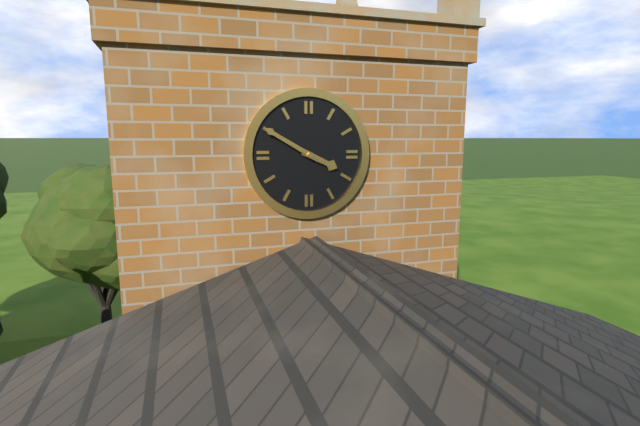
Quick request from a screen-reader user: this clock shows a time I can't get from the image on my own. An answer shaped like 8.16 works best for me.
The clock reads 3.50
